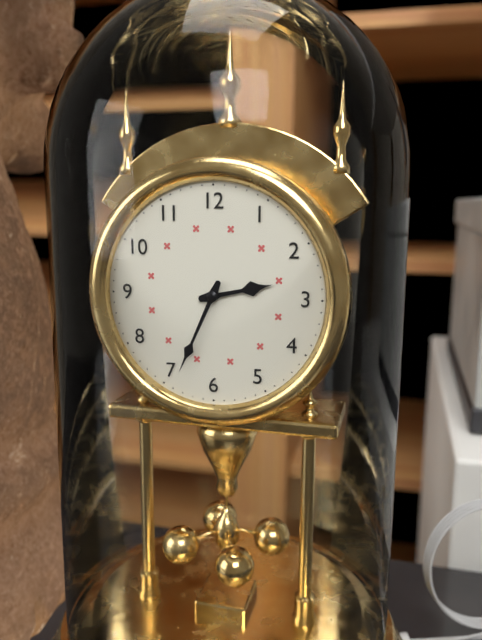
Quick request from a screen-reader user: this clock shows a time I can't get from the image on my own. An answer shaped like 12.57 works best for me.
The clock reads 2.34
